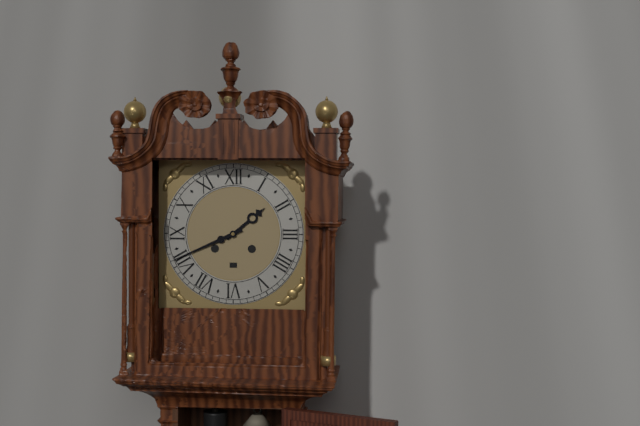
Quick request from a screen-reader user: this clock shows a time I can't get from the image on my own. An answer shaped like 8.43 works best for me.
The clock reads 1.41
